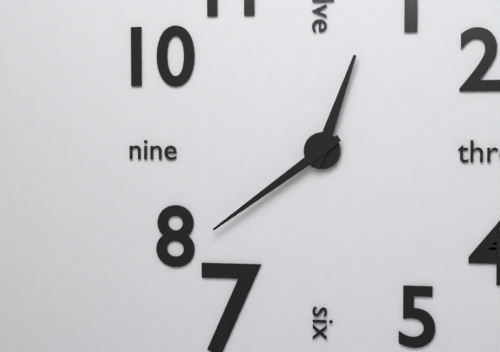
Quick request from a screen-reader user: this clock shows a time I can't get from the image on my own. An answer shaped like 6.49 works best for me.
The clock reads 12.39
